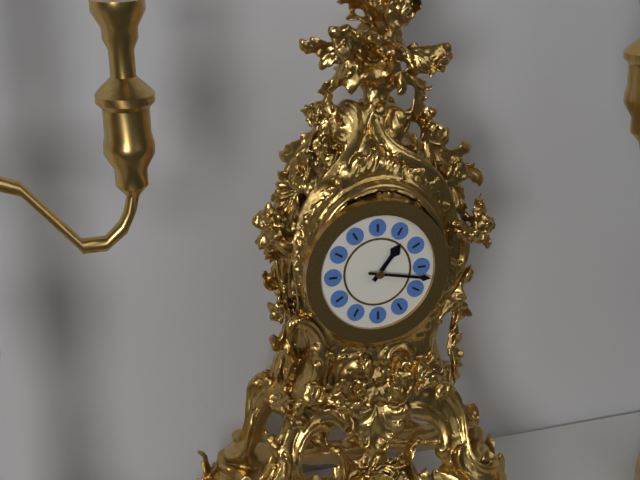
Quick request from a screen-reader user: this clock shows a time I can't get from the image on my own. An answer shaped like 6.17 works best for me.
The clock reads 1.17
